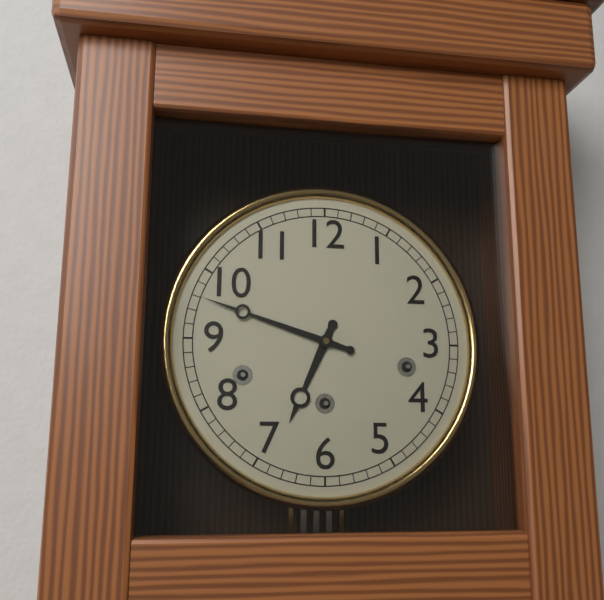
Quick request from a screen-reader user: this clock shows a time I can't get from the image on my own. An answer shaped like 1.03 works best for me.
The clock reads 6.48
